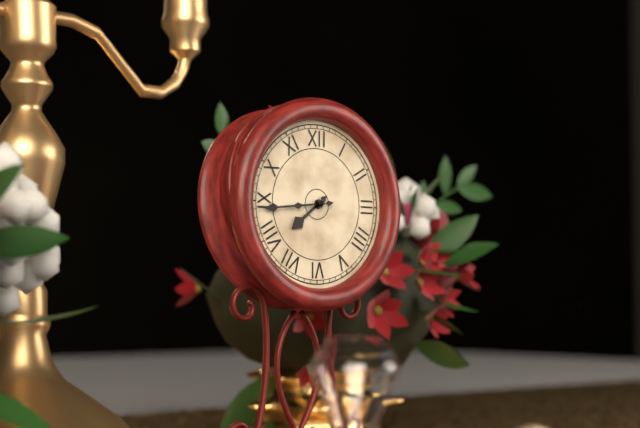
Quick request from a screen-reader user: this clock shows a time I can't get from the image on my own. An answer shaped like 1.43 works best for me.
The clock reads 7.44
